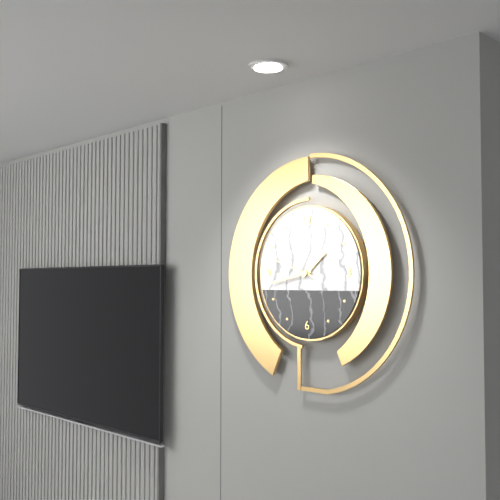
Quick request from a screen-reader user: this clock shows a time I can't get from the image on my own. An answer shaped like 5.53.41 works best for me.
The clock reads 1.43.48
